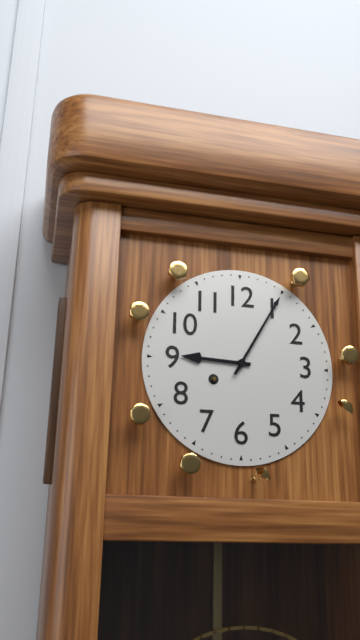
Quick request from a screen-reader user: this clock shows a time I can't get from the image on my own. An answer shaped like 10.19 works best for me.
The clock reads 9.05
